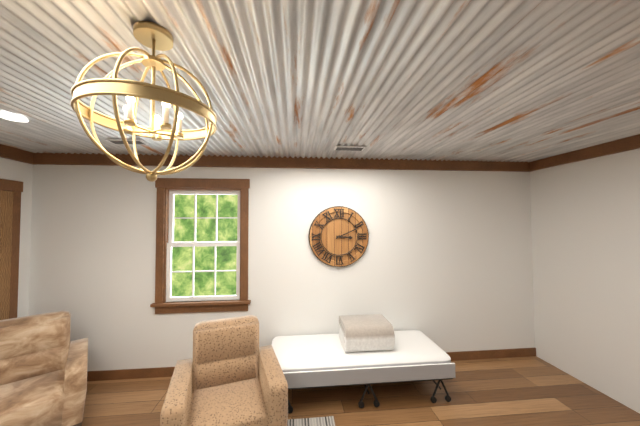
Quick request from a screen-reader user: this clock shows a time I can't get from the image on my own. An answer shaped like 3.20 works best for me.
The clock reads 3.11
